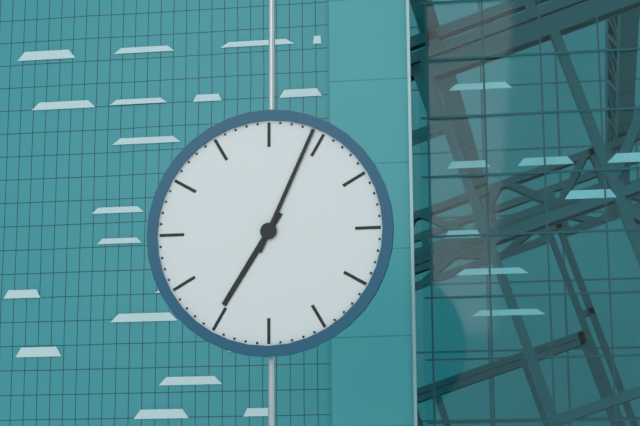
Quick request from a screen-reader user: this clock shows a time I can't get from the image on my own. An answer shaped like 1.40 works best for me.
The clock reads 7.04
